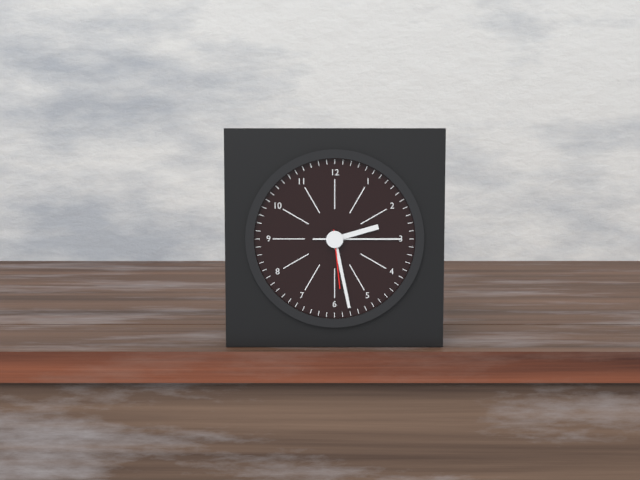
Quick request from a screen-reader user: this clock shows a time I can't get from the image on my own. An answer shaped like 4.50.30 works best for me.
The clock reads 2.28.29
